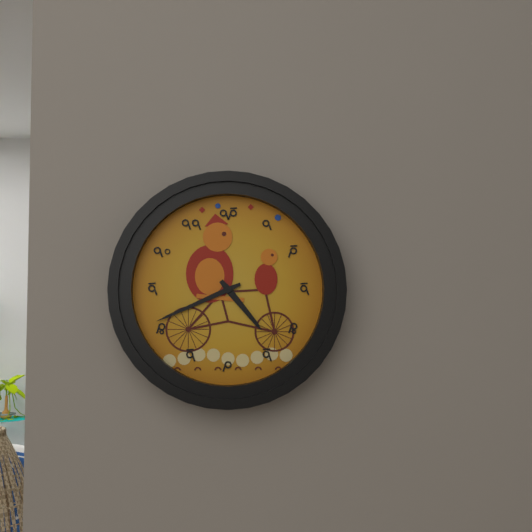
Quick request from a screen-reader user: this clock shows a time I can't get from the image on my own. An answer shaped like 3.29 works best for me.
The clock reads 4.41
